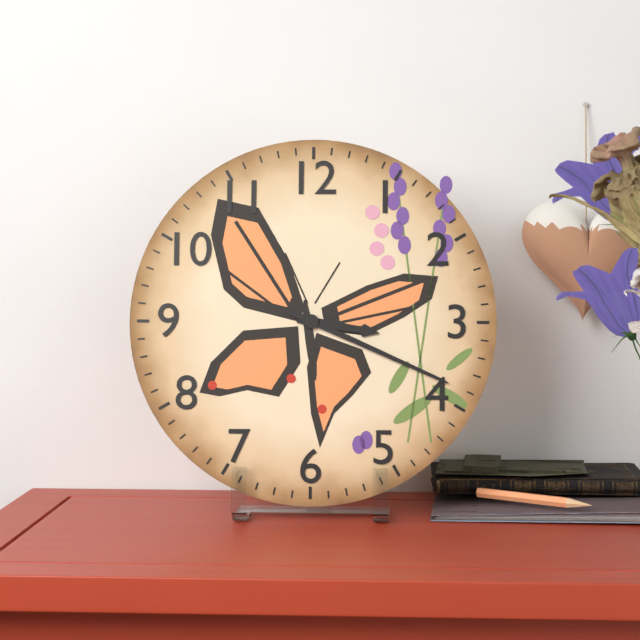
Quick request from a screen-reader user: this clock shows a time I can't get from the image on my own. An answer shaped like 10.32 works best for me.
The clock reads 3.19
